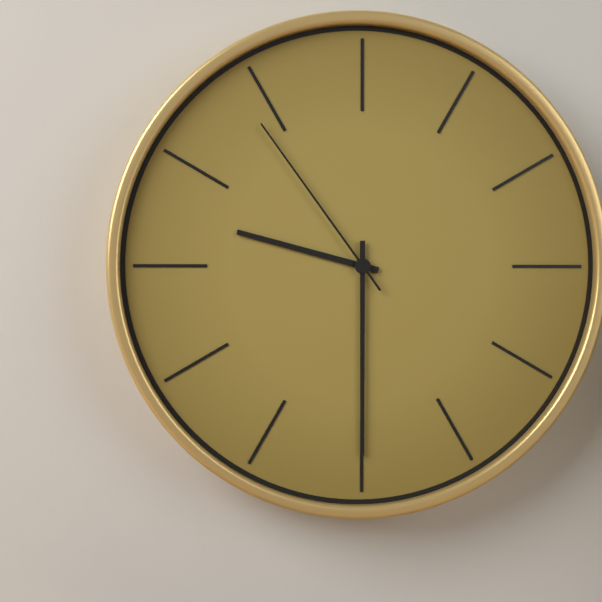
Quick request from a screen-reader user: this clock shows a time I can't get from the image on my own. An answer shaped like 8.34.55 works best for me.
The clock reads 9.30.54
